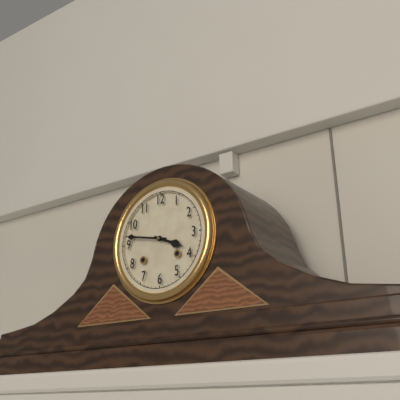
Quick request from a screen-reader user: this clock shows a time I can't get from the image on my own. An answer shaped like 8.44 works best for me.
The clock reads 3.47
